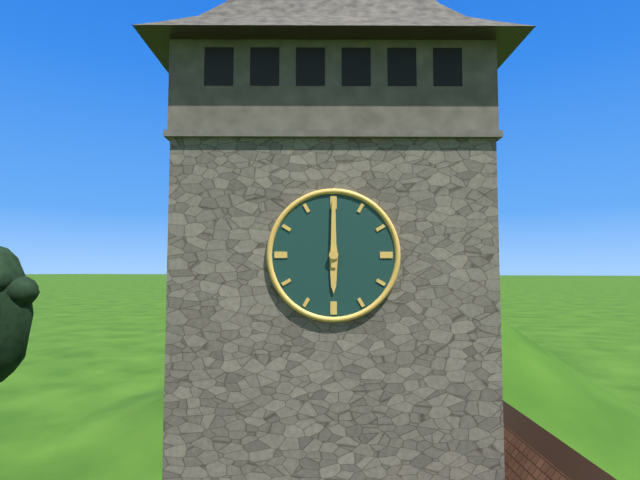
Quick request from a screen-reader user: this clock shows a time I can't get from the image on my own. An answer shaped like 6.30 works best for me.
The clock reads 6.00
